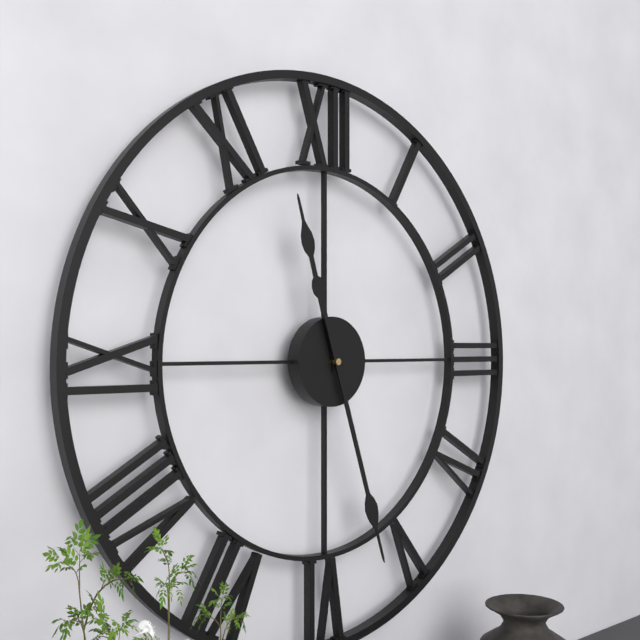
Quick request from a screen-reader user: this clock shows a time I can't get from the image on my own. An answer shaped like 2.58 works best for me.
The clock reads 11.27
